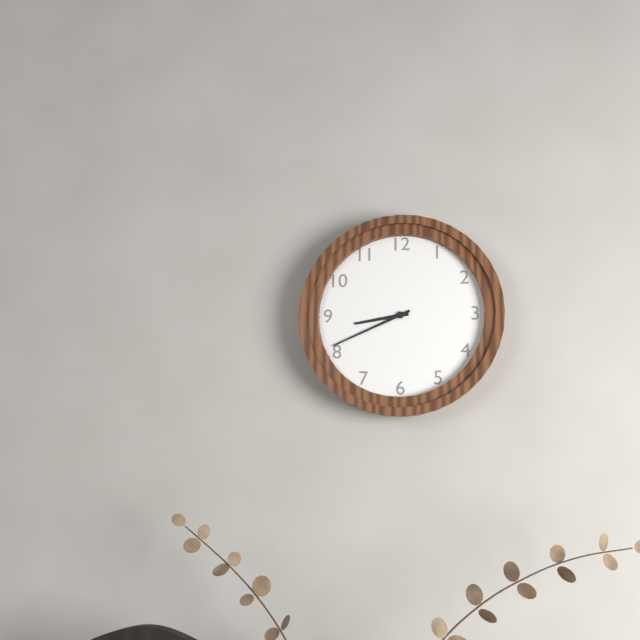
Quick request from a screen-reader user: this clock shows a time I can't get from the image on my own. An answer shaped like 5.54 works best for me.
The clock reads 8.41
